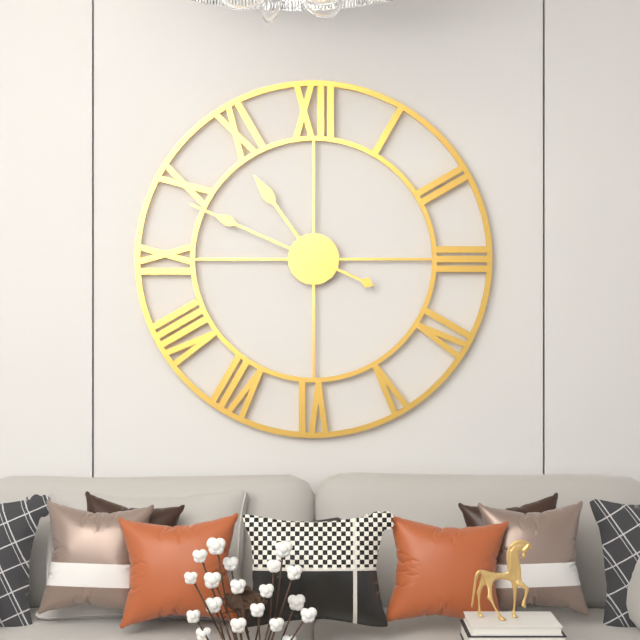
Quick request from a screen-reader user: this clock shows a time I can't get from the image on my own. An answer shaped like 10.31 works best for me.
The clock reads 10.49
